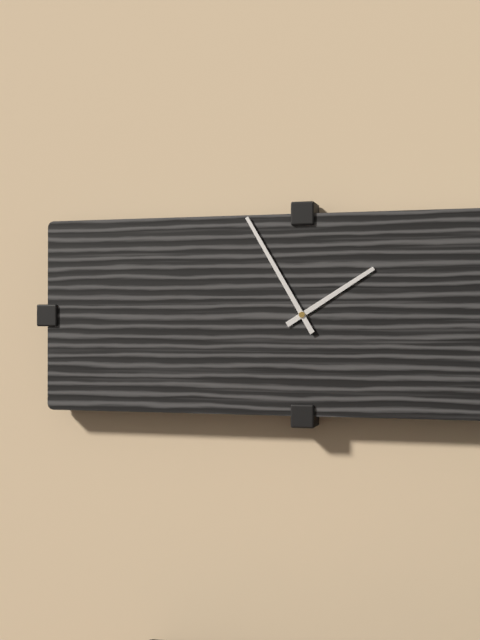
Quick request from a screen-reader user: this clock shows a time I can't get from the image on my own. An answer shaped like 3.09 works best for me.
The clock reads 1.55
